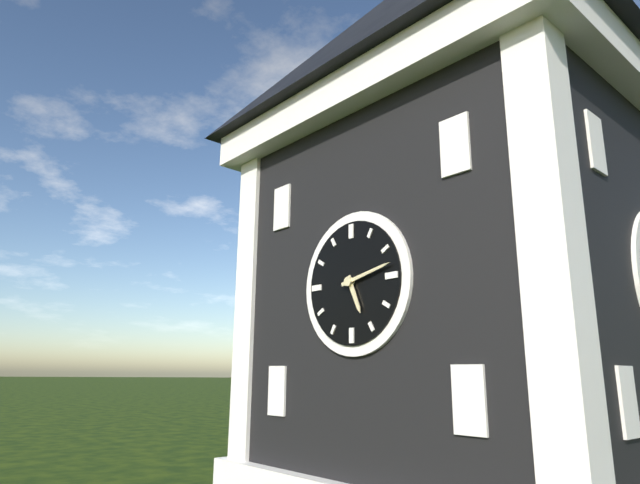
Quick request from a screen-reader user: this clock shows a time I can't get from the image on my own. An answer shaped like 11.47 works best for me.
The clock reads 5.13
